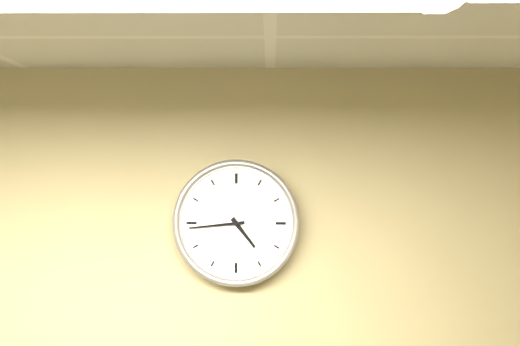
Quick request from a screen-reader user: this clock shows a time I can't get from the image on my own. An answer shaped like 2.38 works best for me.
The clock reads 4.44
